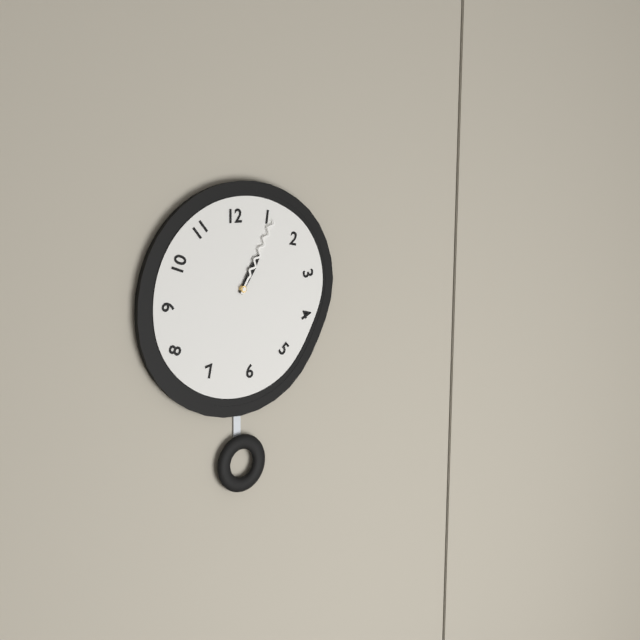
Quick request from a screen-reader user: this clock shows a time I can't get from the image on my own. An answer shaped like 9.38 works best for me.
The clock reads 1.05
